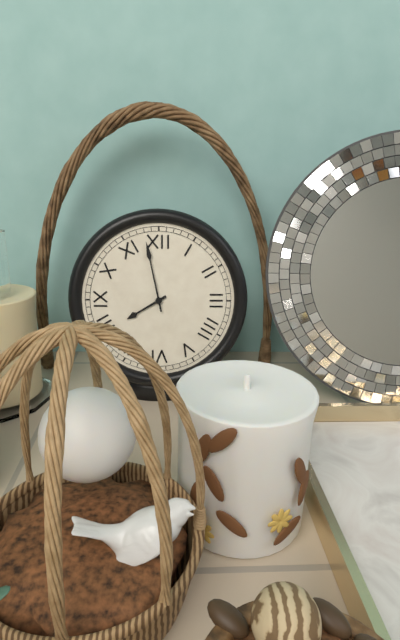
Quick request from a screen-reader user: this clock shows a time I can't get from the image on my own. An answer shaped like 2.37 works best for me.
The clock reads 7.58
